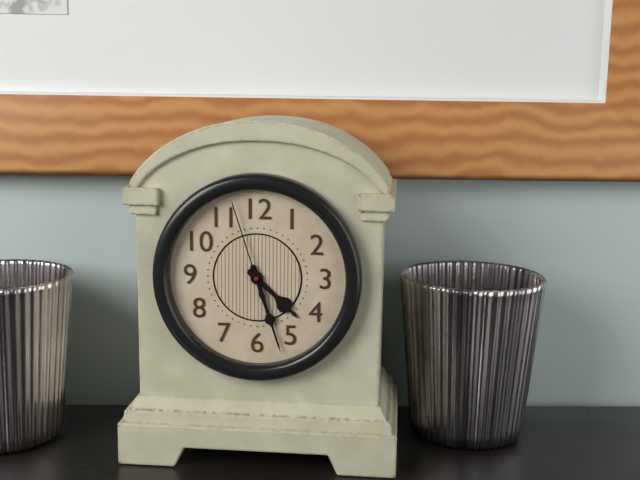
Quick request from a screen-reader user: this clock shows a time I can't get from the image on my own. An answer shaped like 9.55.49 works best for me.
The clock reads 4.27.57
